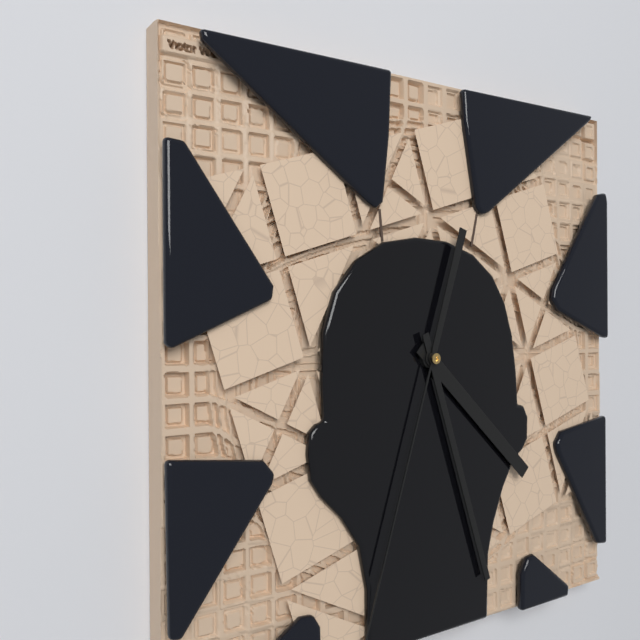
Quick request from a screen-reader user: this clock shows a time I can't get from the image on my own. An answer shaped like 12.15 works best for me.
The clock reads 4.27
